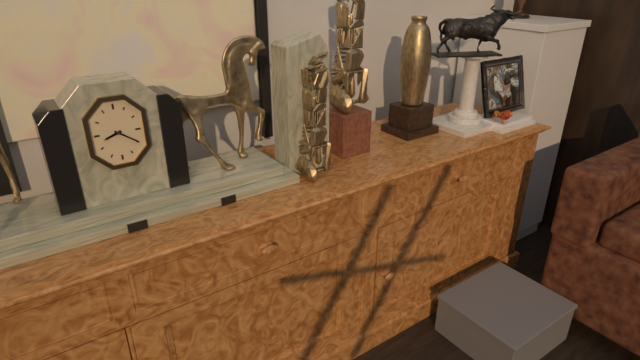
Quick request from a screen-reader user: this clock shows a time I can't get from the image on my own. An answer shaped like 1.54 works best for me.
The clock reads 8.21
